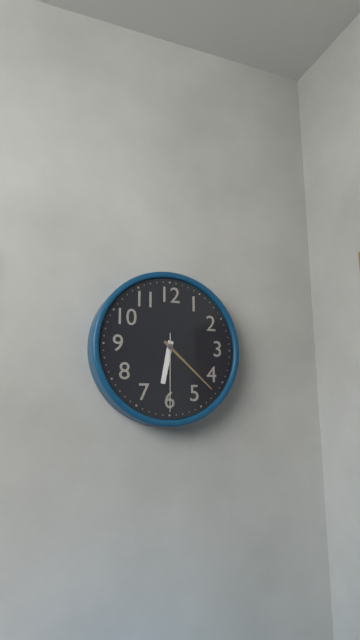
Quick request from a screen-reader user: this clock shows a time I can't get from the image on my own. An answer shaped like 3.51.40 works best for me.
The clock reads 6.22.30
